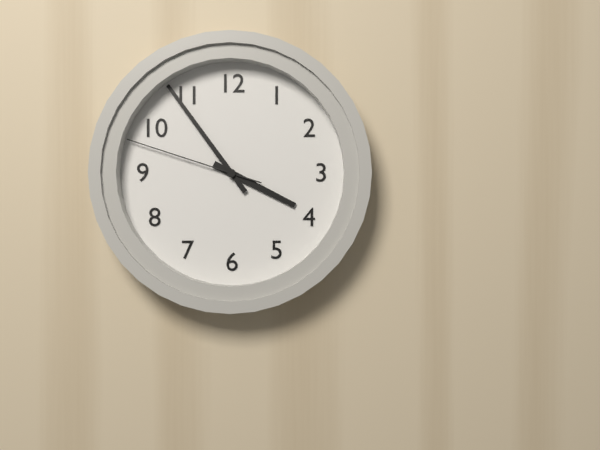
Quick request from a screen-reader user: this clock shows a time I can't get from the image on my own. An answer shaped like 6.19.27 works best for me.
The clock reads 3.54.48
